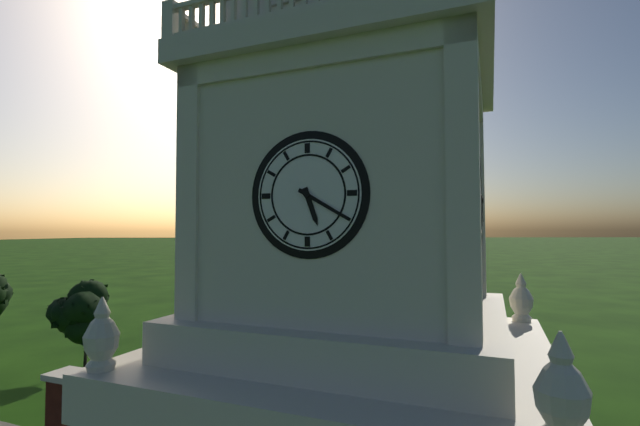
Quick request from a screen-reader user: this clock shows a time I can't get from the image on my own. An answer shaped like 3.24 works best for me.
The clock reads 5.20
